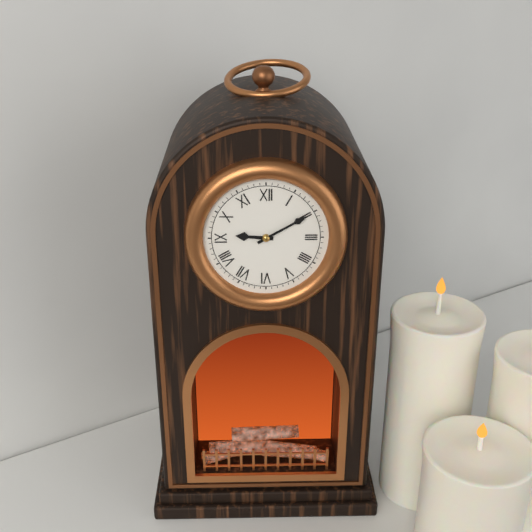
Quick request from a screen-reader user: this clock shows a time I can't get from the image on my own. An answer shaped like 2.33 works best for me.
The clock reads 9.10
